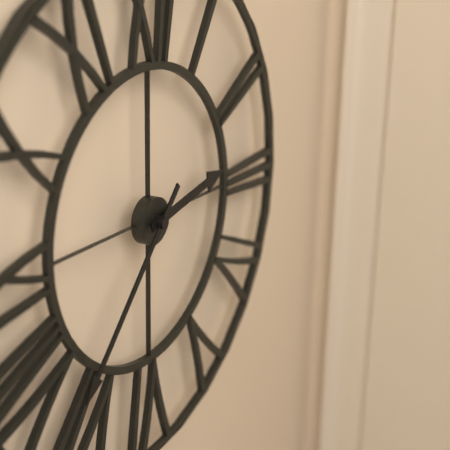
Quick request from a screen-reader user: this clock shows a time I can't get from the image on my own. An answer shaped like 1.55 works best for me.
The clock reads 2.37
